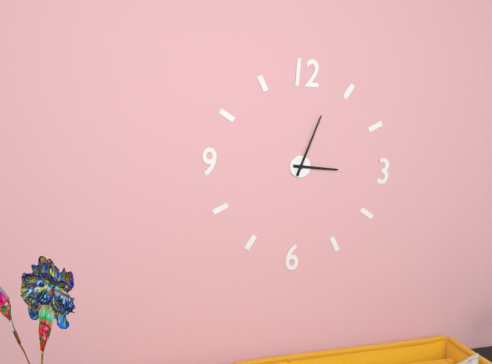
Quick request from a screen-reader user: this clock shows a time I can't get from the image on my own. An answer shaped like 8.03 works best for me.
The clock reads 3.03
